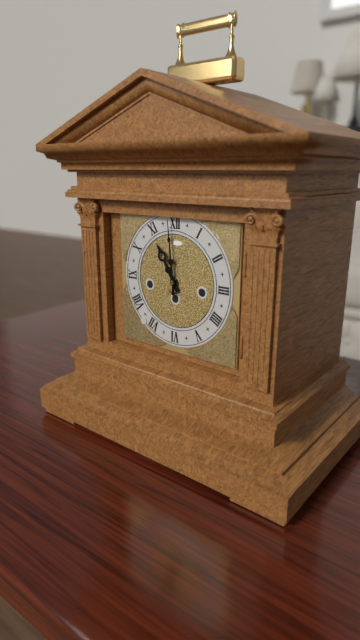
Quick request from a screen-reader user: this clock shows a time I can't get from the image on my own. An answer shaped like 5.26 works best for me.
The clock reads 10.59
